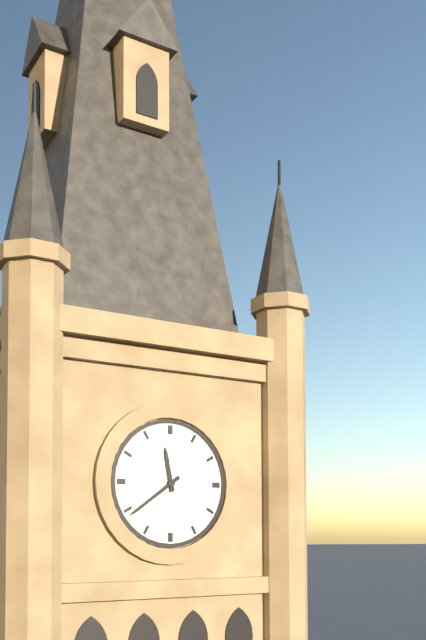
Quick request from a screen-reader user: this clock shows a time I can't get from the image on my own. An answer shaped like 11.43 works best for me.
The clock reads 11.39
